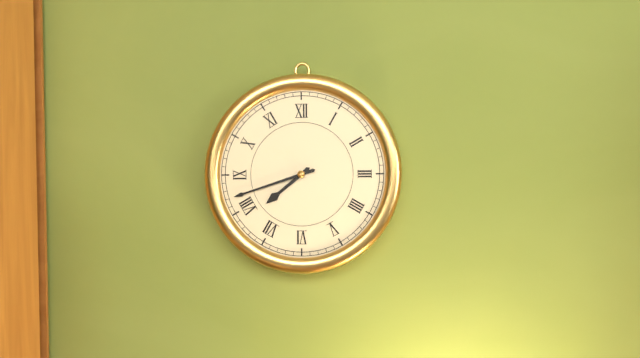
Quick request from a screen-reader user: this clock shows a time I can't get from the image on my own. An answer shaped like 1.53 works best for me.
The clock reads 7.42
